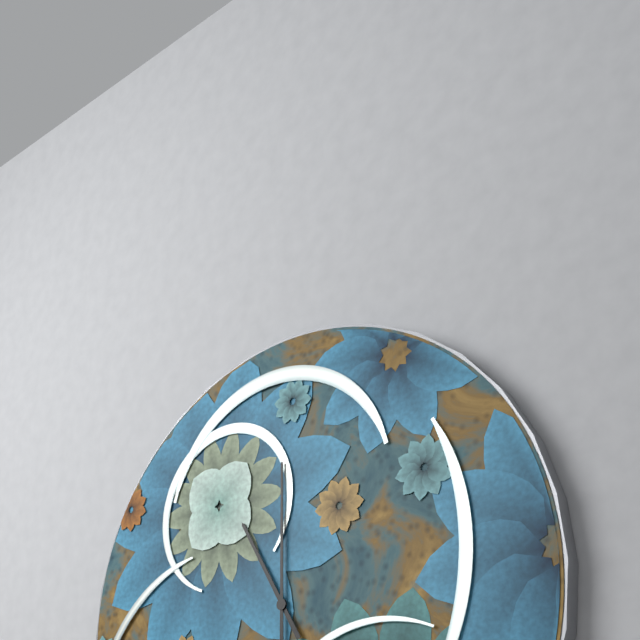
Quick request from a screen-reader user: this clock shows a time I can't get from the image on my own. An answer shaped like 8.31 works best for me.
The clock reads 11.00
